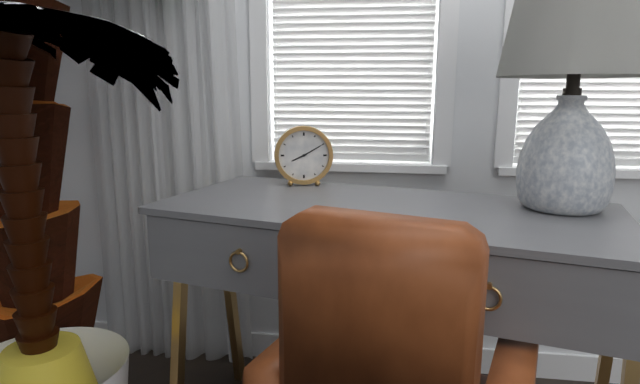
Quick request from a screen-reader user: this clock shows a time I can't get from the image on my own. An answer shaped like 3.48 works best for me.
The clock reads 8.10
